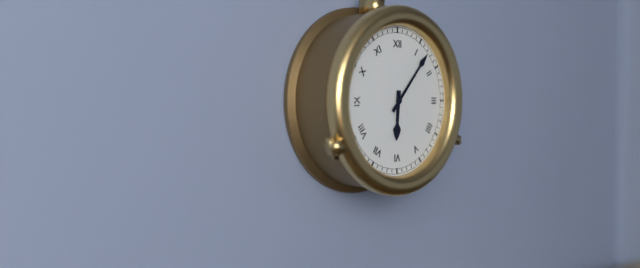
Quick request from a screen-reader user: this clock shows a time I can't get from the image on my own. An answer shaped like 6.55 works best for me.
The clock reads 6.07
